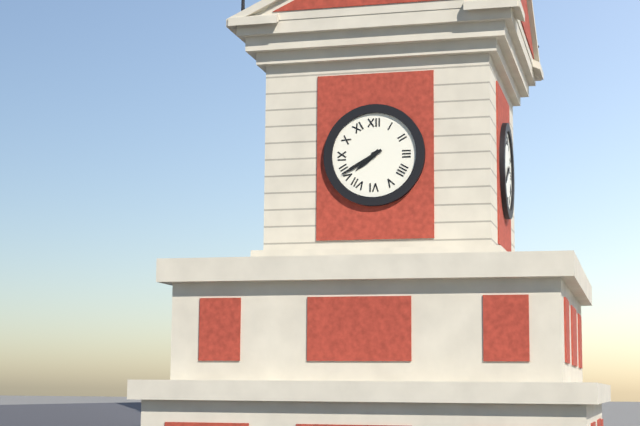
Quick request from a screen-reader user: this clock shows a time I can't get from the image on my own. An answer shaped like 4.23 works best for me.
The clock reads 7.40
